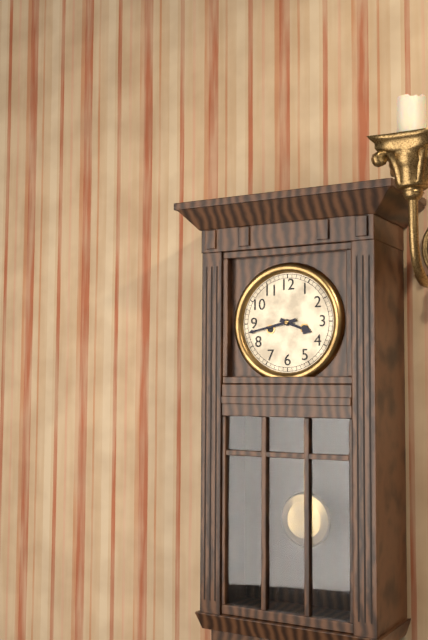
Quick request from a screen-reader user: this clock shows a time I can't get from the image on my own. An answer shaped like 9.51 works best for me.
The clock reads 3.43
